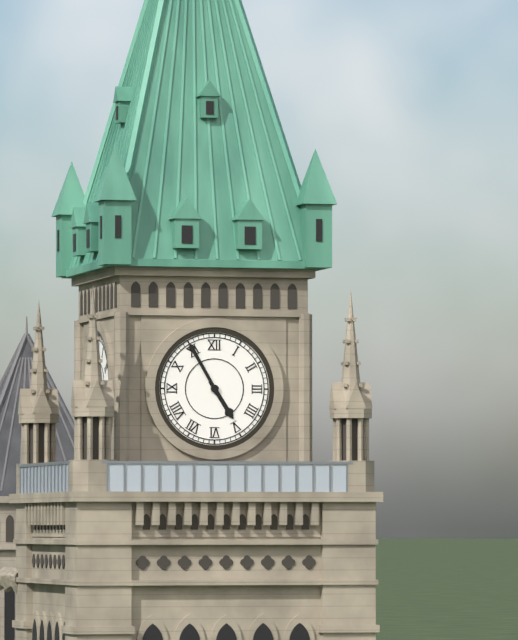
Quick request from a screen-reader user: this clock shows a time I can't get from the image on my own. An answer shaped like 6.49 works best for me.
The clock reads 4.55
